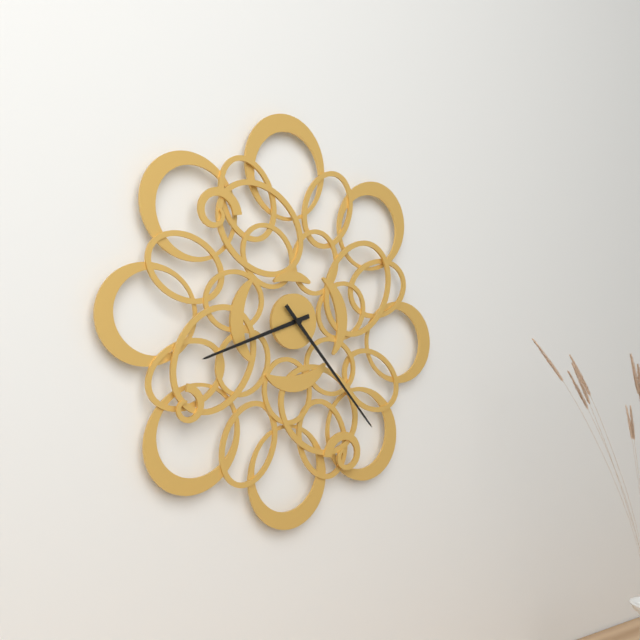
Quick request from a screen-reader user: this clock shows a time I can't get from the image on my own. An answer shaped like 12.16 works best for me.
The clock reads 8.23
